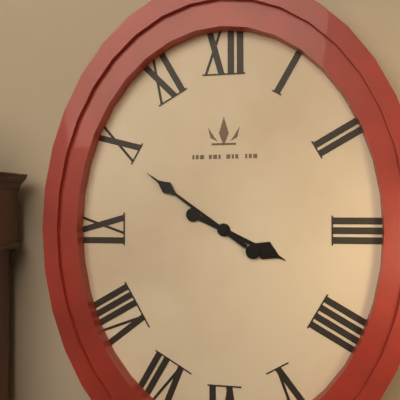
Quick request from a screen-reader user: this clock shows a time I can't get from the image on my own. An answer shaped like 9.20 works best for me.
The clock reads 3.51
